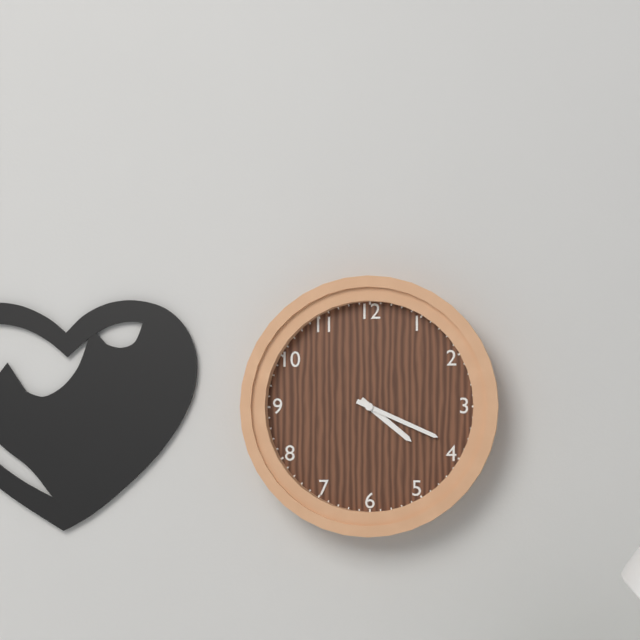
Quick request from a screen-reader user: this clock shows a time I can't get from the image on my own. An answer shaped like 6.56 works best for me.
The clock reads 4.19
